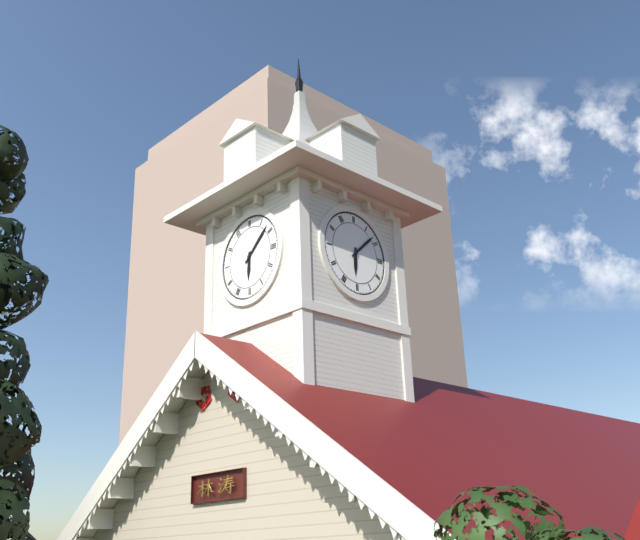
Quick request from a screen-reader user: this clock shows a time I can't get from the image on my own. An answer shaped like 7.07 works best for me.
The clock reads 6.08
